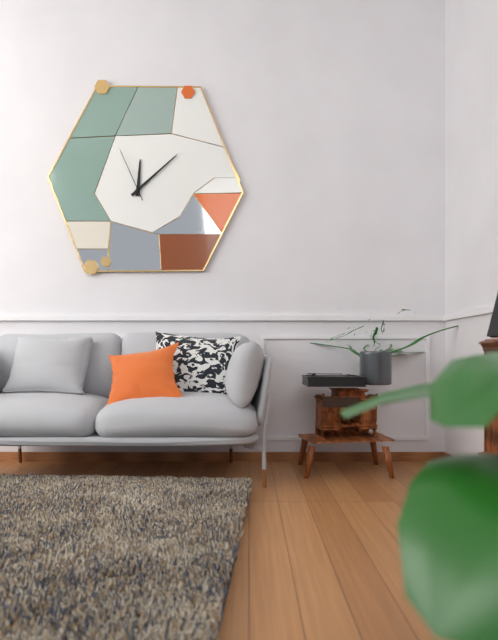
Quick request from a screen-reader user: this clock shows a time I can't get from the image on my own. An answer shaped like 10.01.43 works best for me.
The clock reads 12.08.56
